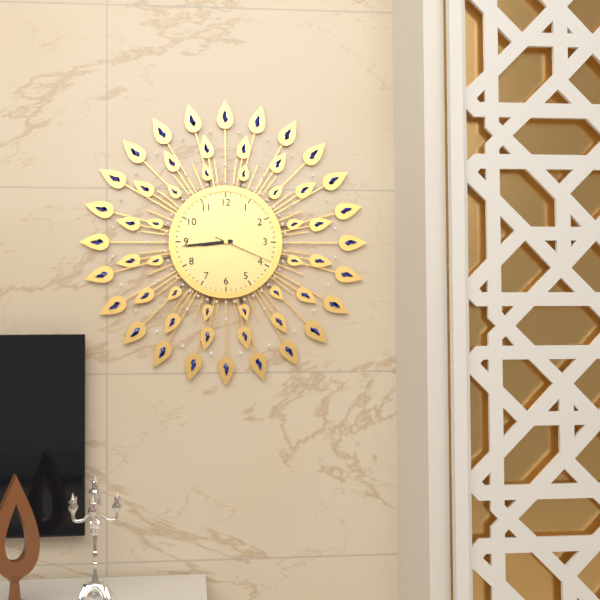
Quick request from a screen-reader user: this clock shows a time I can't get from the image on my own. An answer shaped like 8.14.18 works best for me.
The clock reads 8.44.19
